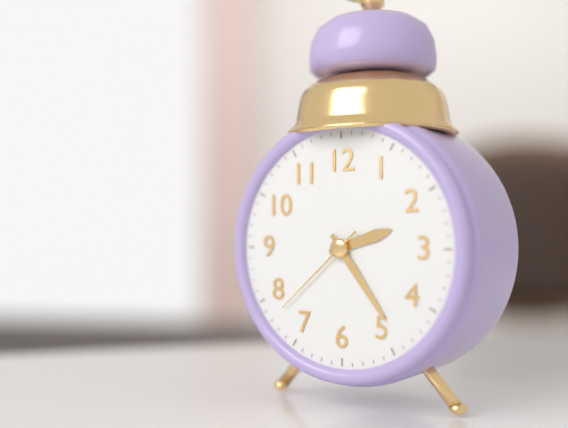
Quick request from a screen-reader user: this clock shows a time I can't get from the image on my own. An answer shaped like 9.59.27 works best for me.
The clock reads 2.24.38
